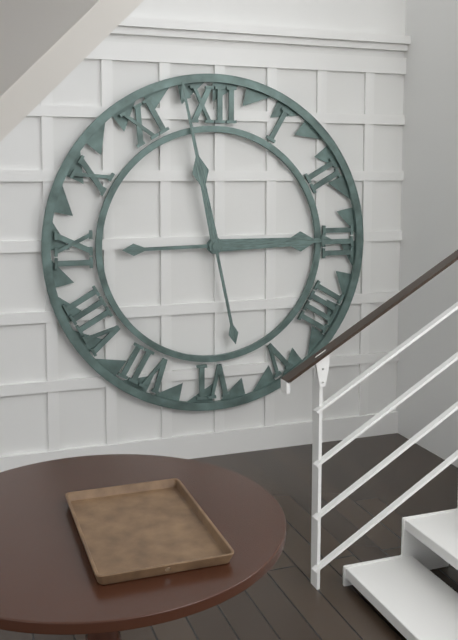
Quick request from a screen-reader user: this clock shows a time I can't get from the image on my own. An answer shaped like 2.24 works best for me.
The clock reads 2.58
